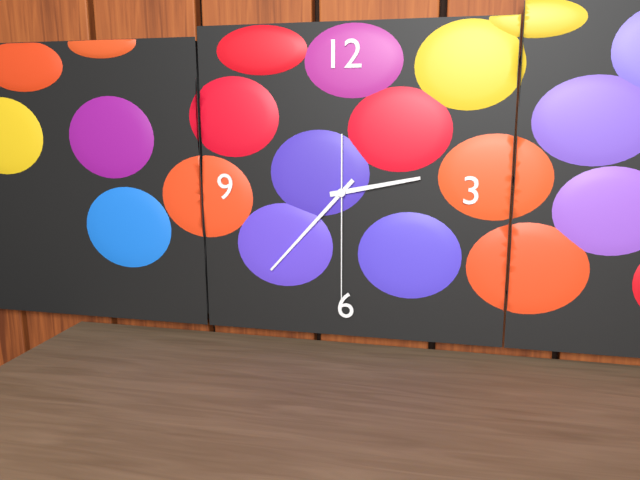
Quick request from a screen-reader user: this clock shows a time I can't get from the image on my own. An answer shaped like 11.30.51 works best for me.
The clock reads 2.37.30
